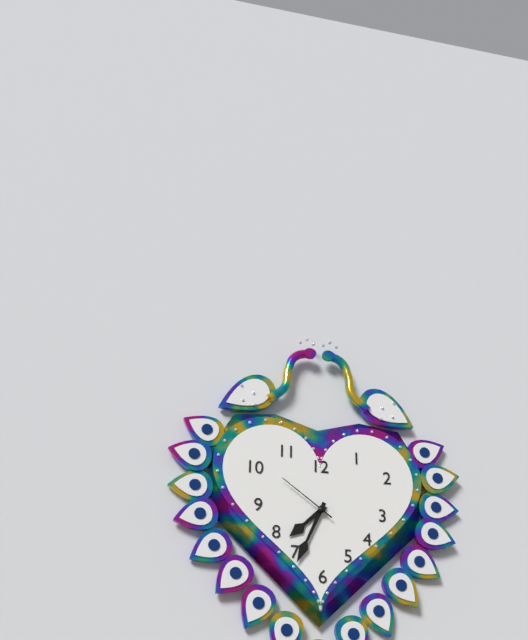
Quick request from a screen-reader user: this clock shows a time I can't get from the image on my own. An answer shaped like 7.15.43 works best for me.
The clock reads 7.34.51
